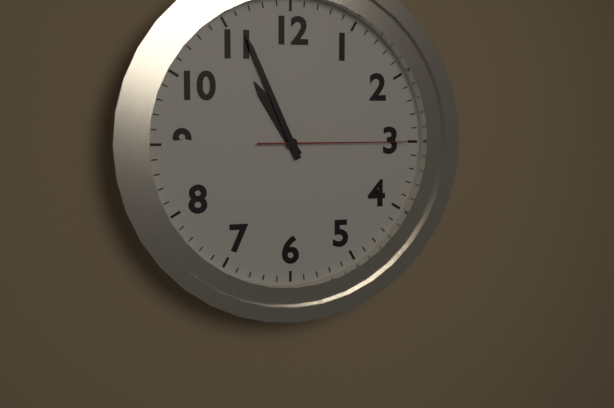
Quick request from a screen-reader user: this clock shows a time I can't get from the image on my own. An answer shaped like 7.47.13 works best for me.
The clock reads 10.56.15
